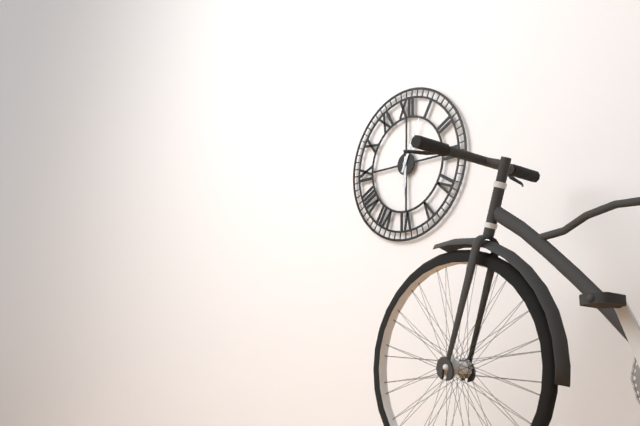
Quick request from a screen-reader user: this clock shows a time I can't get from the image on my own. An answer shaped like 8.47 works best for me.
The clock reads 6.04
